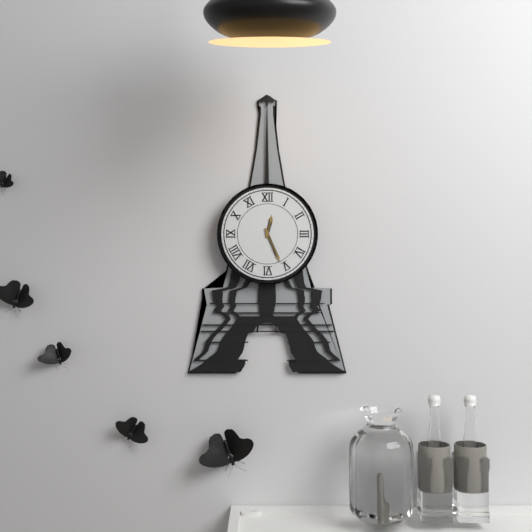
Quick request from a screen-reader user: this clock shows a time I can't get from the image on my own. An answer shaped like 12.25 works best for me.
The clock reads 12.26
